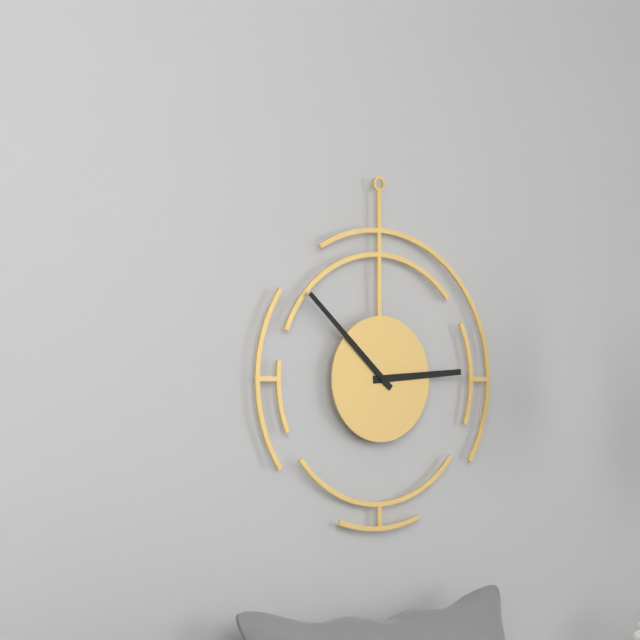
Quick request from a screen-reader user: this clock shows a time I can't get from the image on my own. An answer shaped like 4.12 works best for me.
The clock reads 2.52
